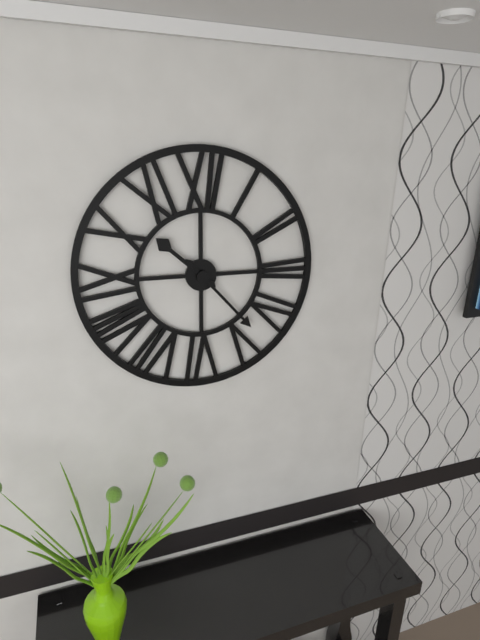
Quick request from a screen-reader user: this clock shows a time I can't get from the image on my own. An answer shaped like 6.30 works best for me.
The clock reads 10.23
